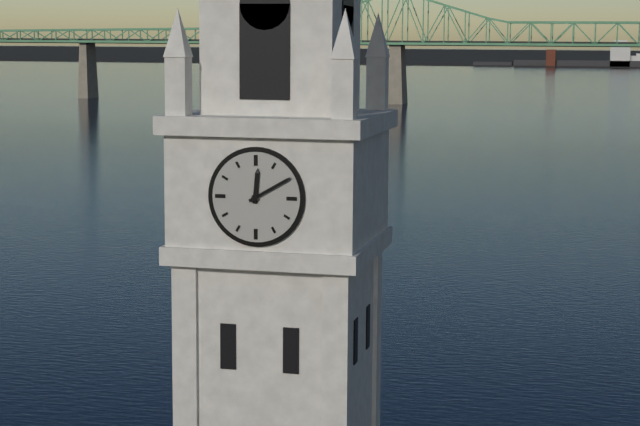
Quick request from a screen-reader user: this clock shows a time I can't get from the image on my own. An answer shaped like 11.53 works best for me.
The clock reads 12.10
